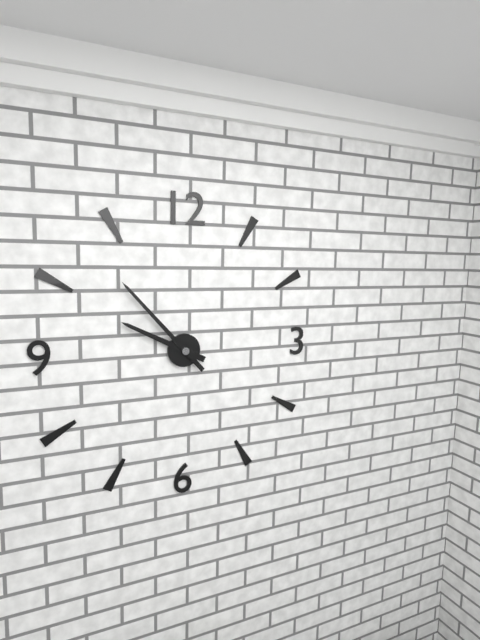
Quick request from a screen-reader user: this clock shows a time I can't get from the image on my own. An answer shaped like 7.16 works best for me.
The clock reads 9.53
